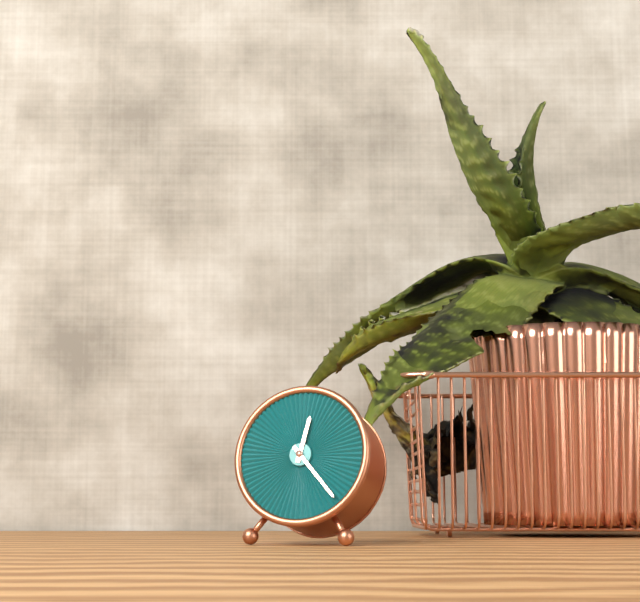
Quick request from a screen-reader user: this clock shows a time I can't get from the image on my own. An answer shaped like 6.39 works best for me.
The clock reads 12.23
